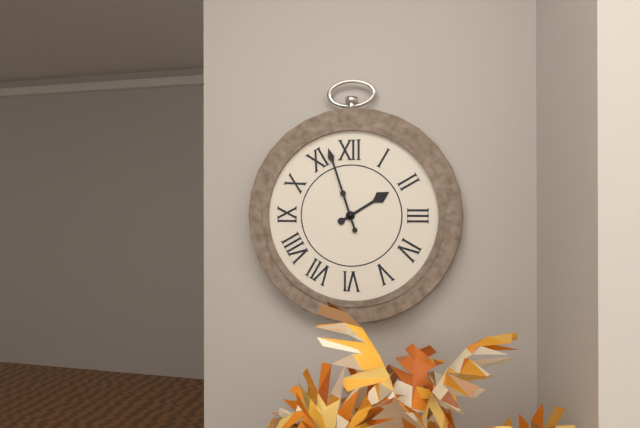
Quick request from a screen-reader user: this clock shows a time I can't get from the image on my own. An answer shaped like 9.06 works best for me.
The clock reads 1.57
